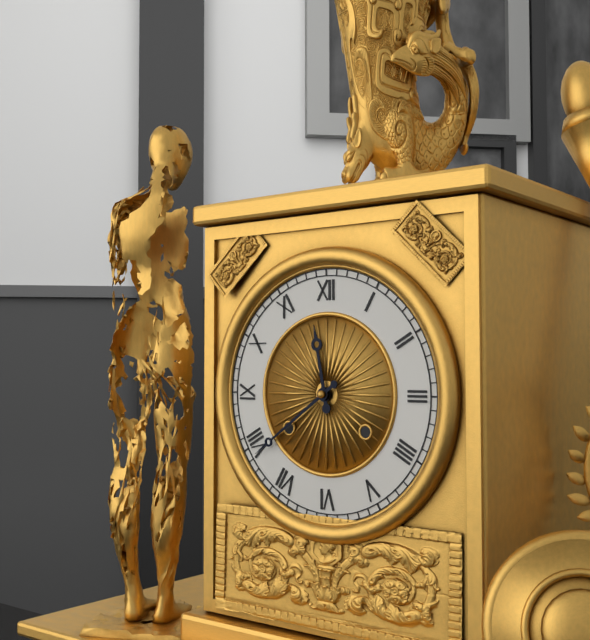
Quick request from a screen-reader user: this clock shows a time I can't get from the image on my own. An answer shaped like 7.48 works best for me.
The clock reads 11.39
